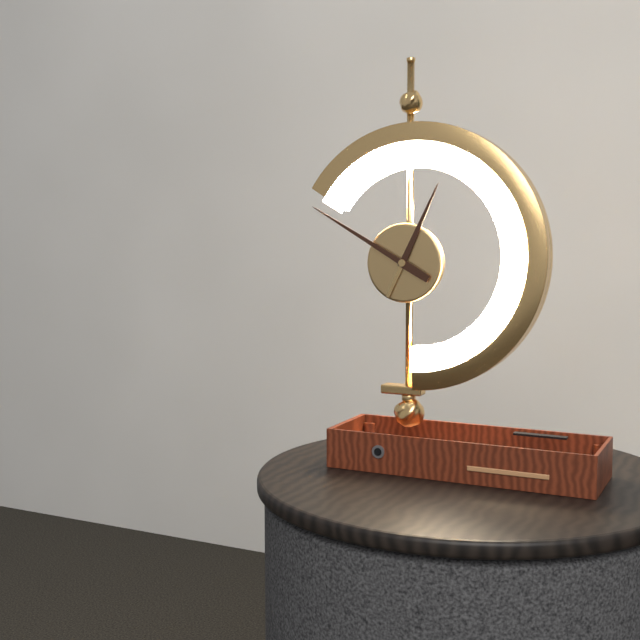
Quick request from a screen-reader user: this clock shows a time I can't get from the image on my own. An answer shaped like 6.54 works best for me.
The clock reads 12.50
